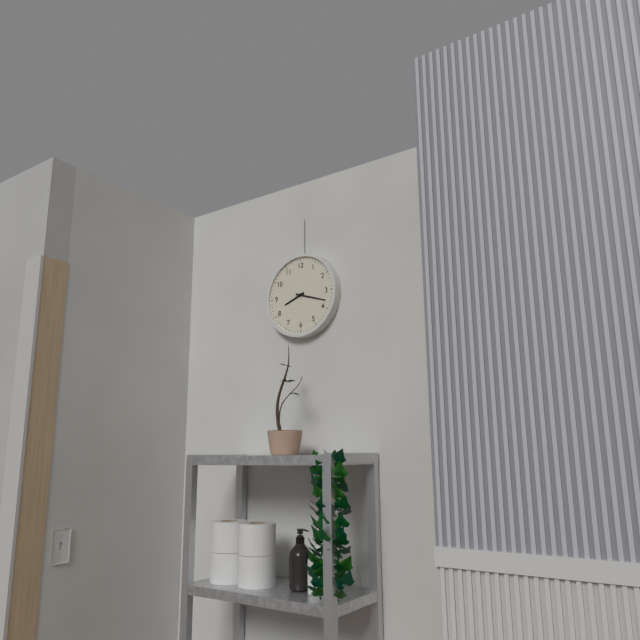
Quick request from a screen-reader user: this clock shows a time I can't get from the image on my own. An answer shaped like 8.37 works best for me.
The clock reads 8.18
